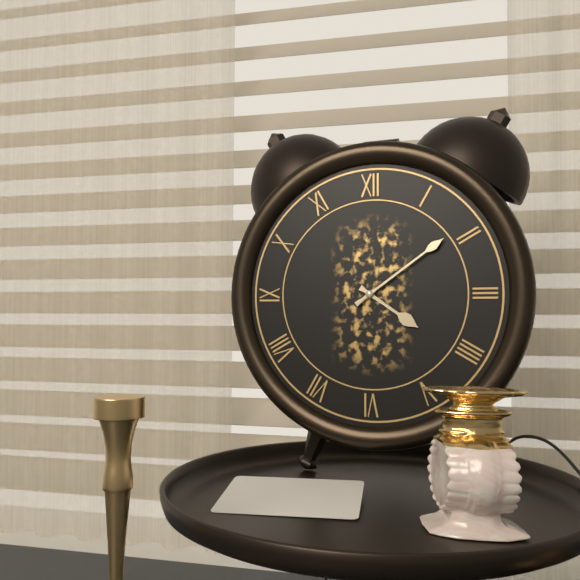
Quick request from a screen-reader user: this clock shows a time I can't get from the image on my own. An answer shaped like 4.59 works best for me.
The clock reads 4.09
